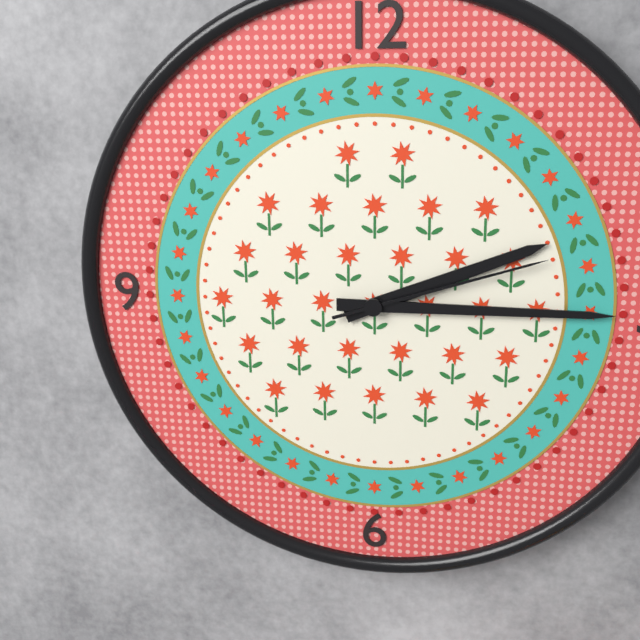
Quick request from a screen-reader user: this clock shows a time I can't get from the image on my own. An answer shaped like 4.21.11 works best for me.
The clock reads 2.15.12
